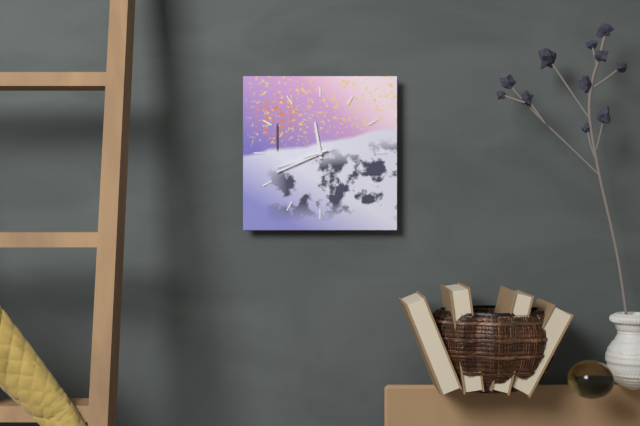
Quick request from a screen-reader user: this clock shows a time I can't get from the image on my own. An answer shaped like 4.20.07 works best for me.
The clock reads 11.41.42
